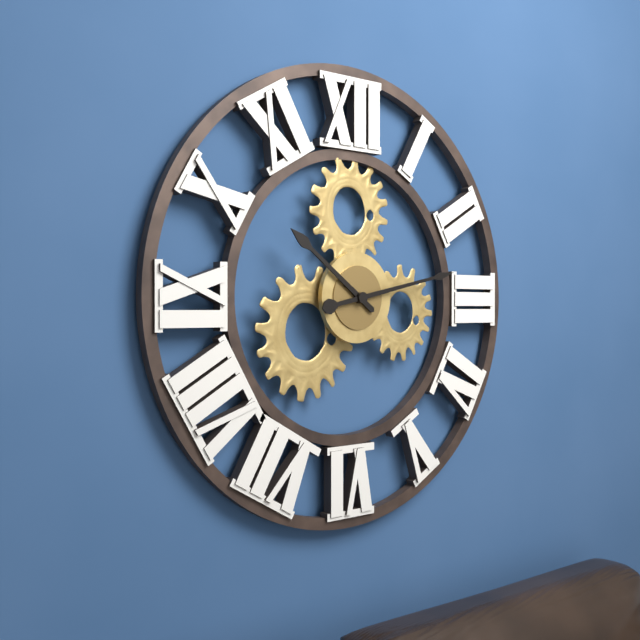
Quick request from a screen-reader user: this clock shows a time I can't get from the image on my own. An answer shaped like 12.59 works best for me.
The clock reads 10.13
